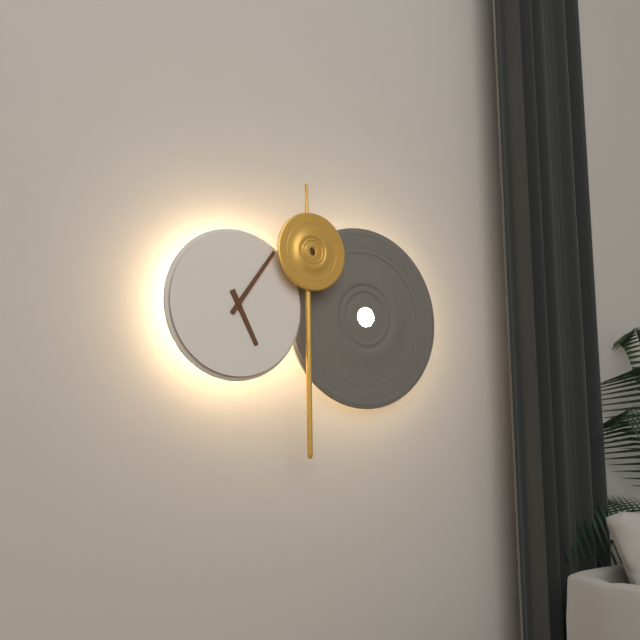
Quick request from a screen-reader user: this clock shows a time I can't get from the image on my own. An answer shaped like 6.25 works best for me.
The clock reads 5.06
